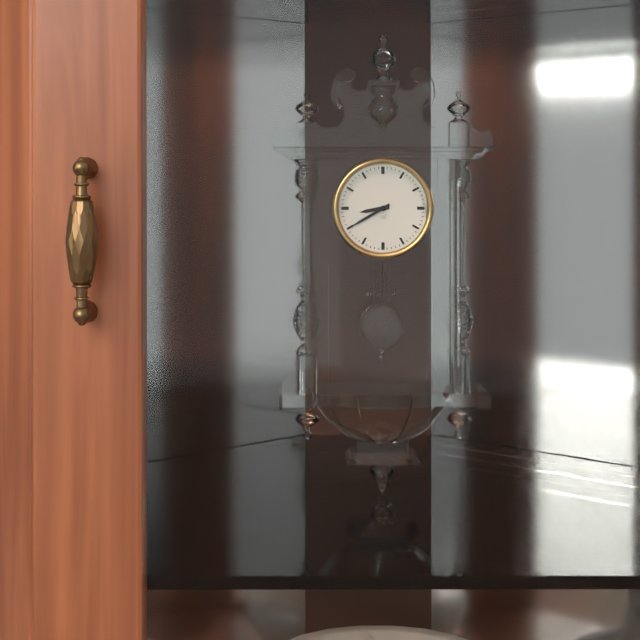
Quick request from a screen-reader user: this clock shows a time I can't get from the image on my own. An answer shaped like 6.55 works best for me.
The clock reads 8.40
